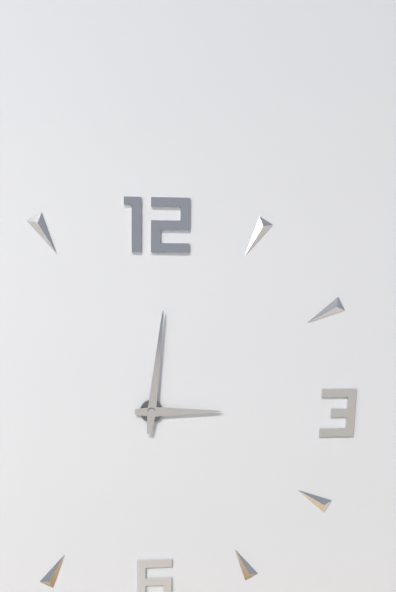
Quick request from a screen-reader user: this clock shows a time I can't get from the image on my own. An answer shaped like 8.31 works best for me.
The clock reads 3.01
